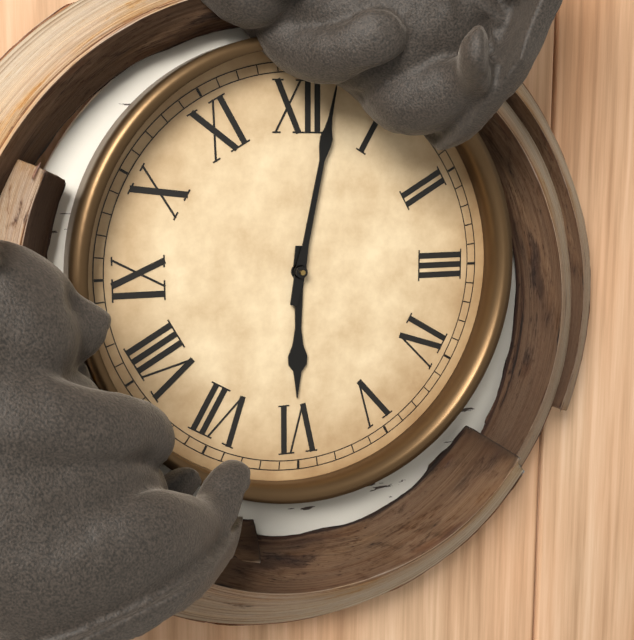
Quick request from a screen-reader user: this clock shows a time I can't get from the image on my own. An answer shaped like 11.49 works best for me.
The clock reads 6.02
